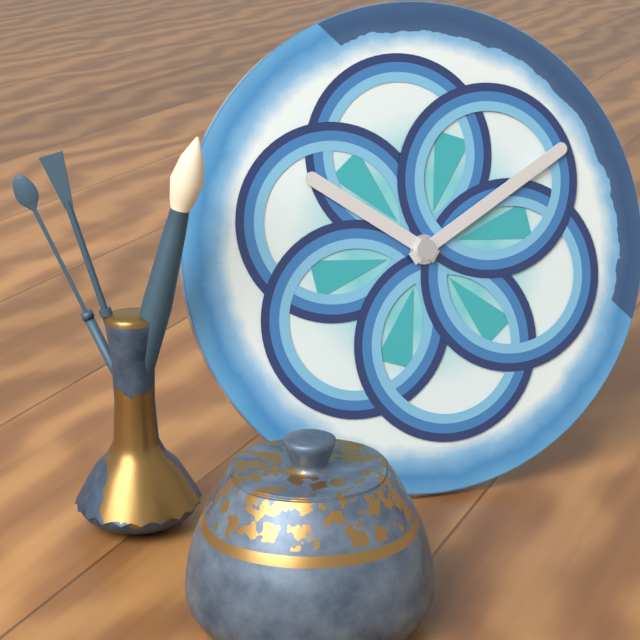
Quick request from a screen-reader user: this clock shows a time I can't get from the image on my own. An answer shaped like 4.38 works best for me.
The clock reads 10.10
